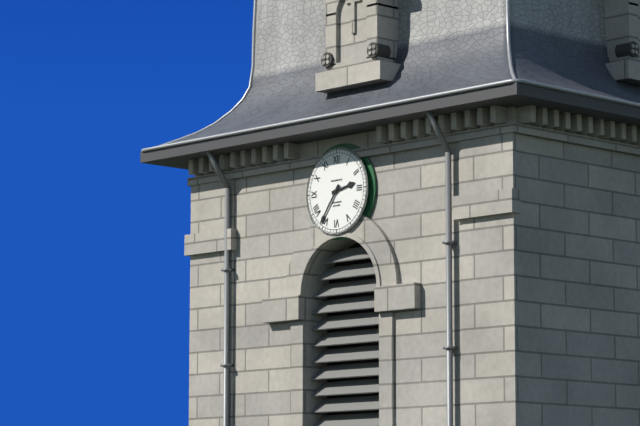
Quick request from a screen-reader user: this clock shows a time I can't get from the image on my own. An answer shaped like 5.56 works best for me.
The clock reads 2.36
